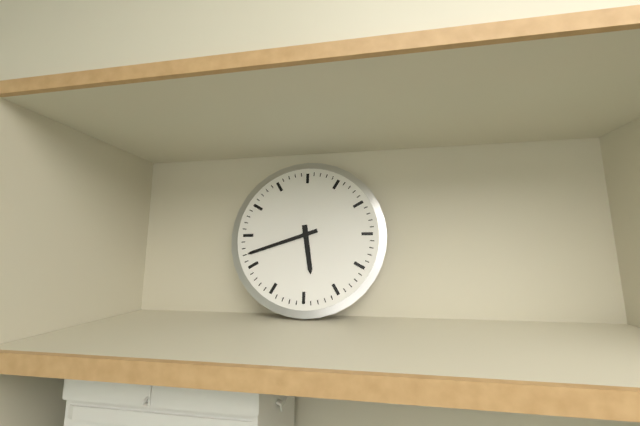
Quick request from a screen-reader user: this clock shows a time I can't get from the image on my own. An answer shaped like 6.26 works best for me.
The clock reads 5.42
